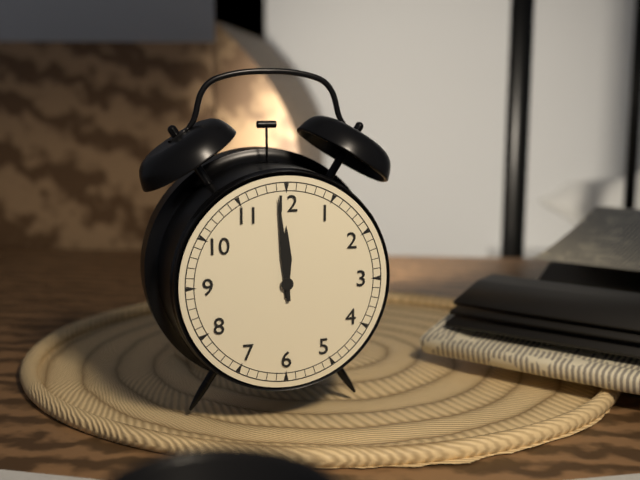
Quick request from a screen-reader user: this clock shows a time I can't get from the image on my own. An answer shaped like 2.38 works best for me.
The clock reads 11.59
